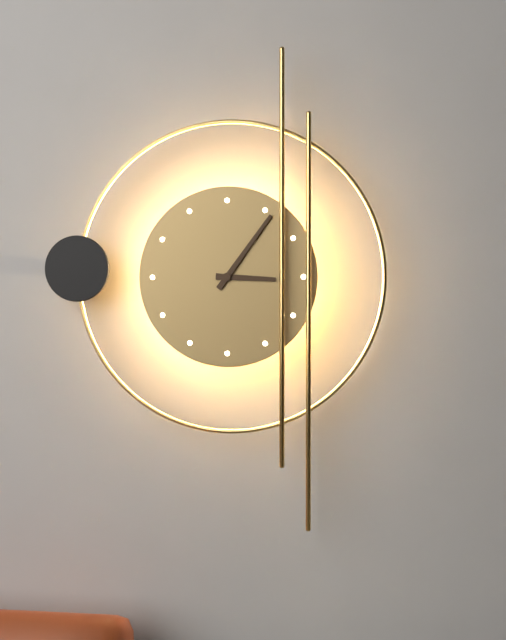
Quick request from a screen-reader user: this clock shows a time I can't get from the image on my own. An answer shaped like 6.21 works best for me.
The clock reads 3.06
